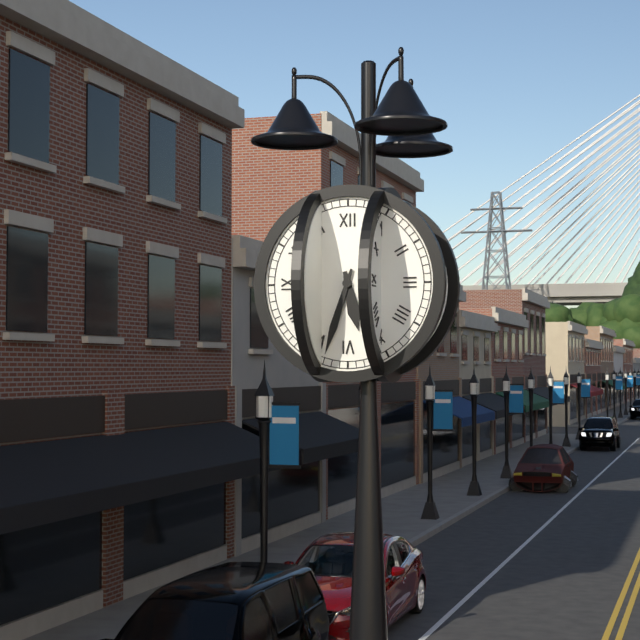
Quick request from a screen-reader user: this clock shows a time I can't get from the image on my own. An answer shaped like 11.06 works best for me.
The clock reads 5.33
